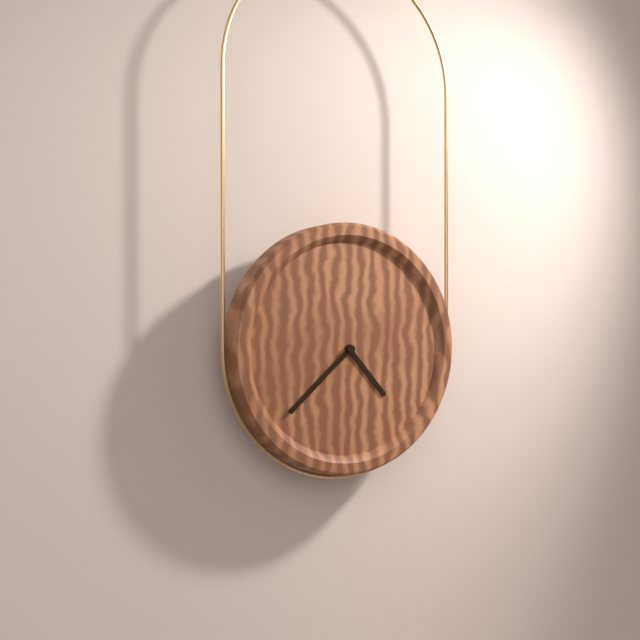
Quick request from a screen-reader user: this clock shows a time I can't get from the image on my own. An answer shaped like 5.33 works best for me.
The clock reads 4.38
